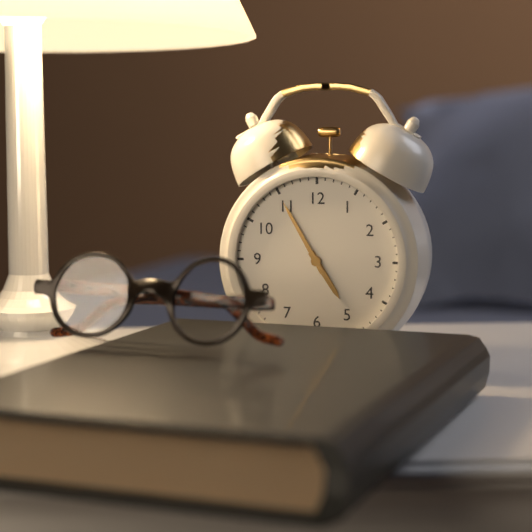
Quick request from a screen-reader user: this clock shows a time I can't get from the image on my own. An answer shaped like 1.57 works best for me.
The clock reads 4.55
